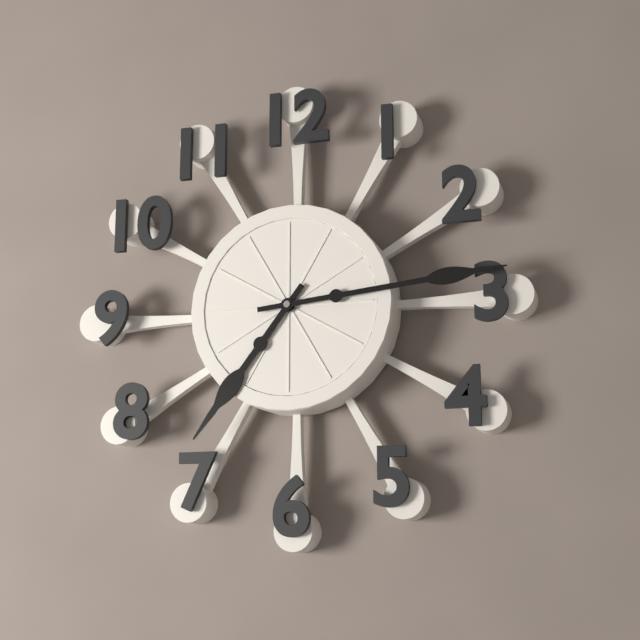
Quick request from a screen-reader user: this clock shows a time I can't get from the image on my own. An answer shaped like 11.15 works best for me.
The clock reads 7.14
